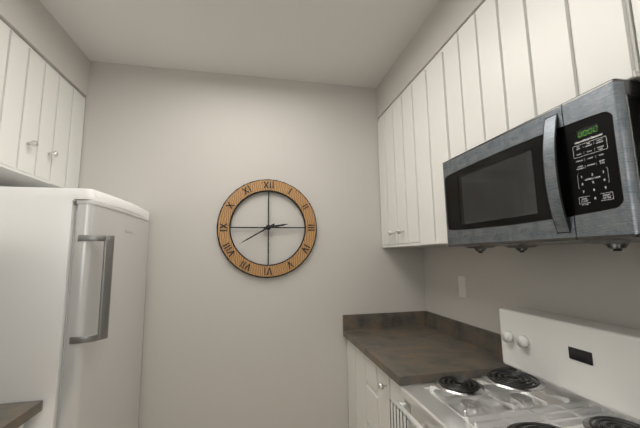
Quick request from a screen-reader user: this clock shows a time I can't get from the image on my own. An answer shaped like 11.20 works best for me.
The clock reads 2.40
